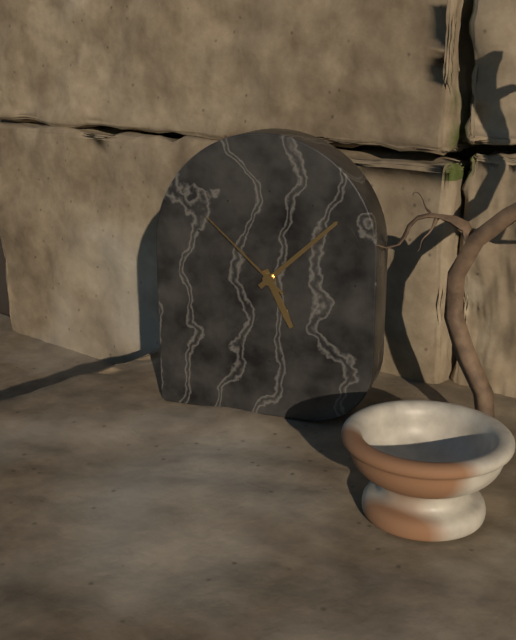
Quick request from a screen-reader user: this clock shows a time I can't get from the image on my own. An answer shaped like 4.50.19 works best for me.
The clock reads 5.08.52
